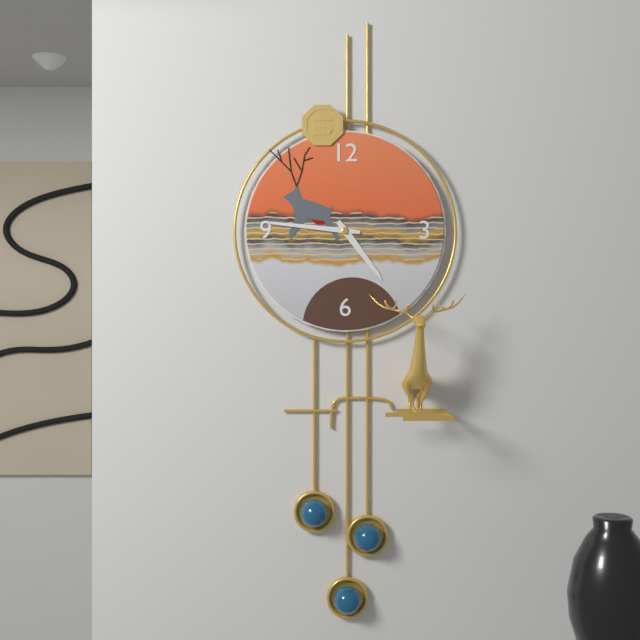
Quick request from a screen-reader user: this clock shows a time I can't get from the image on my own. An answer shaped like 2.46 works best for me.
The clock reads 4.46
